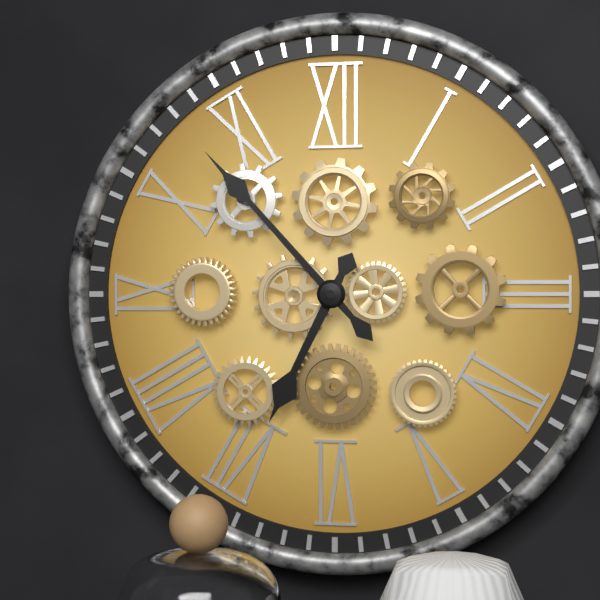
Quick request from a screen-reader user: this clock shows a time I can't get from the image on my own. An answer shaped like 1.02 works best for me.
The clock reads 6.53
